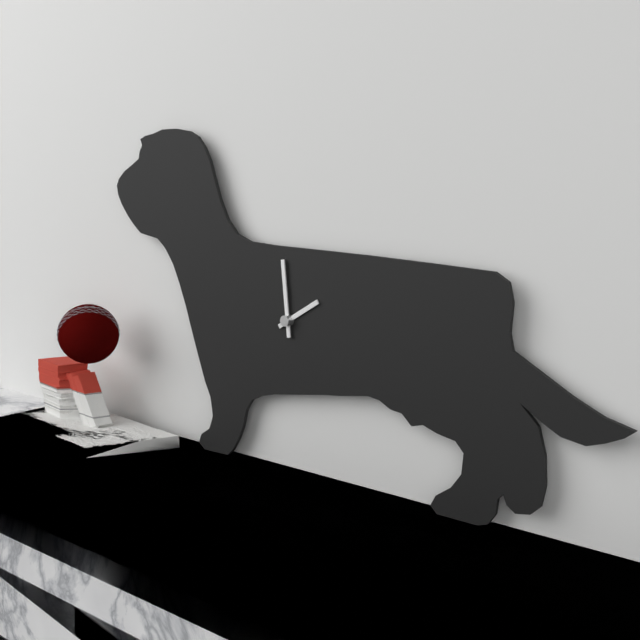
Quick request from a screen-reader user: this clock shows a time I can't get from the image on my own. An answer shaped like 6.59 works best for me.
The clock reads 1.59
